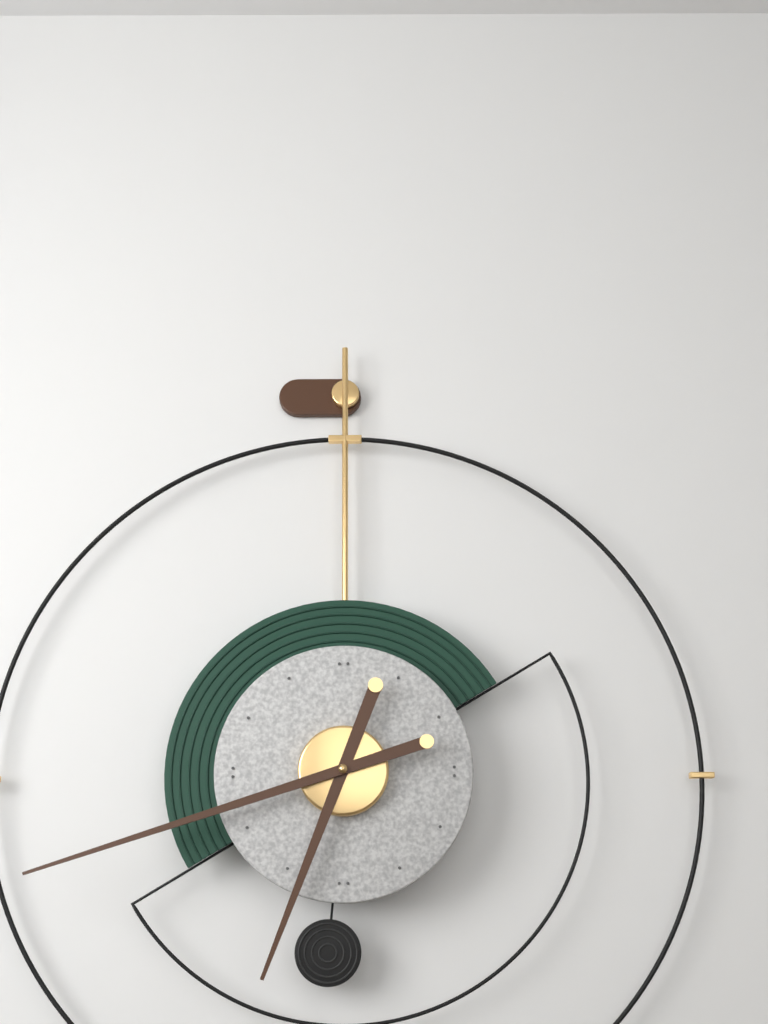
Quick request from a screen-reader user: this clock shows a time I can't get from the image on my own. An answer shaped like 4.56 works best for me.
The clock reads 6.42
